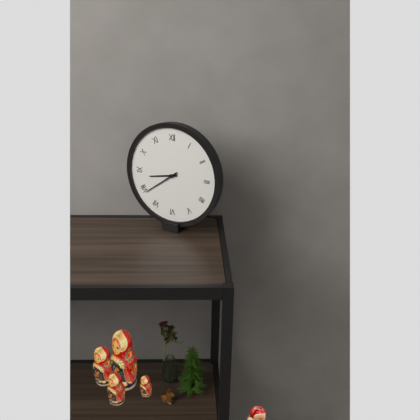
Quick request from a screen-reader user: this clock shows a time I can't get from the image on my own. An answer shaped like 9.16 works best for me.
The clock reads 8.39
